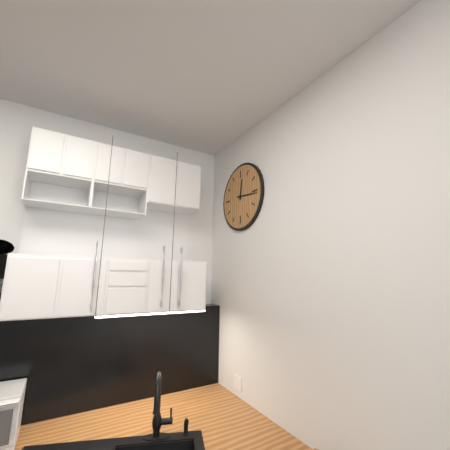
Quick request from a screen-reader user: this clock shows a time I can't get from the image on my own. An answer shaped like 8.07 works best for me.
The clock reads 12.16
